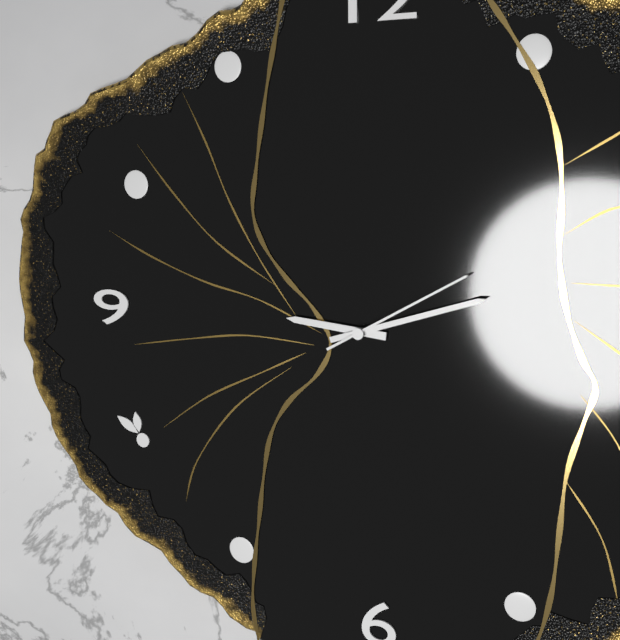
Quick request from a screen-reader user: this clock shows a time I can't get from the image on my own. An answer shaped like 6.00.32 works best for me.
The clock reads 9.12.10
